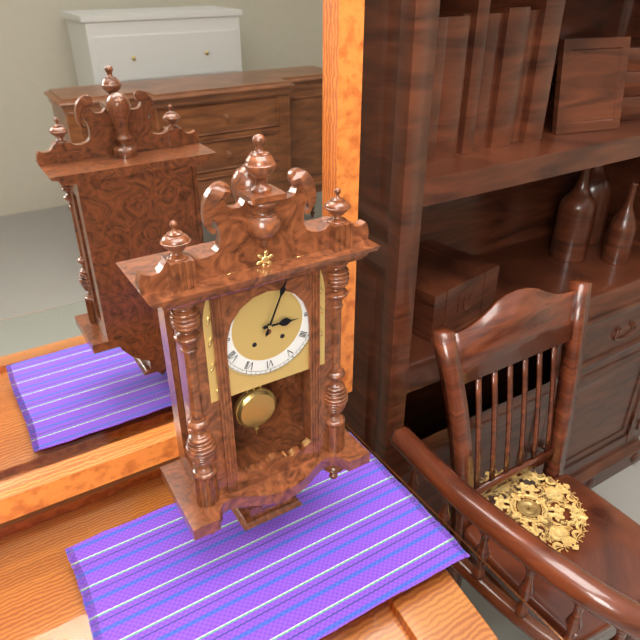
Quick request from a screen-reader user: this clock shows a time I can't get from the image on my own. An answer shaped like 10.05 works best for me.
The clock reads 3.04
